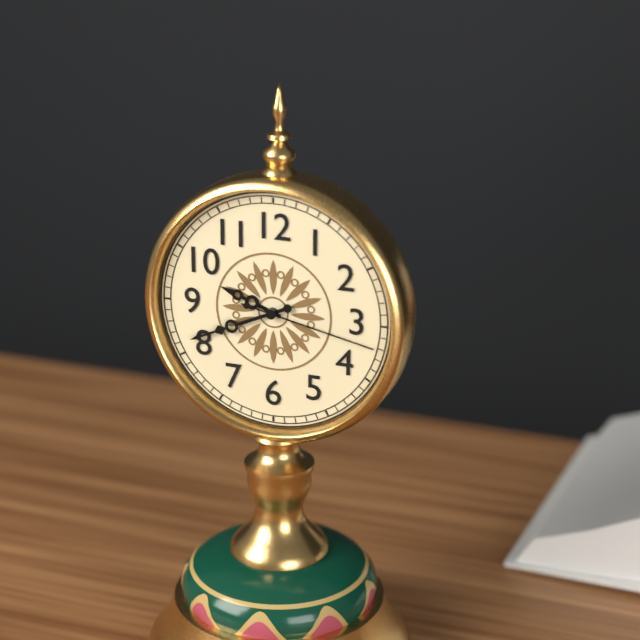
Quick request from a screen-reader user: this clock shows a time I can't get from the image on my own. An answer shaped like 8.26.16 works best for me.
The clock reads 9.41.17
